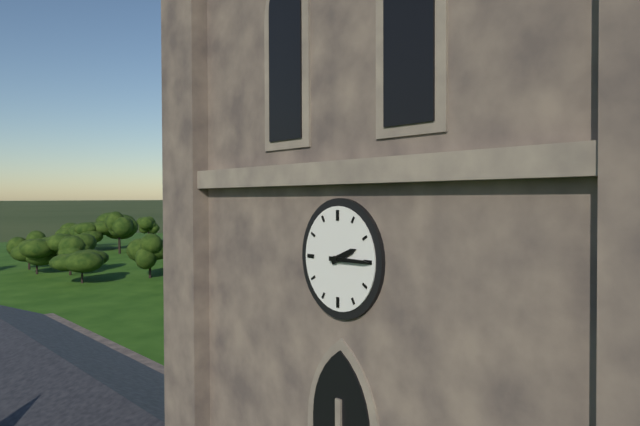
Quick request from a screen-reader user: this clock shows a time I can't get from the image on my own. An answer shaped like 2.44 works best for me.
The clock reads 2.15
